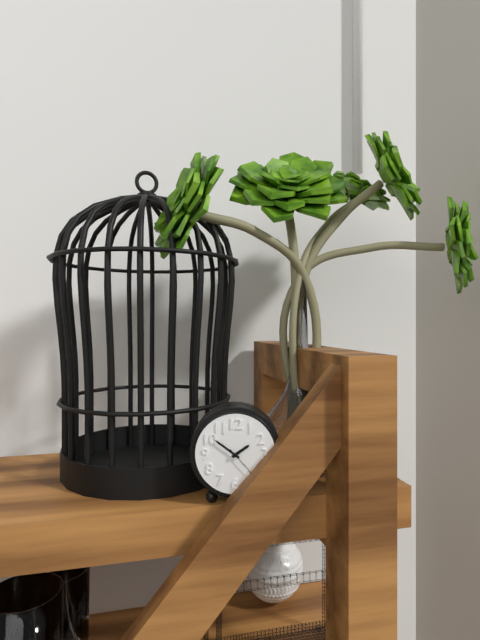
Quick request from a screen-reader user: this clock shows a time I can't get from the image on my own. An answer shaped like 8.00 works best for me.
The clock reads 1.51
